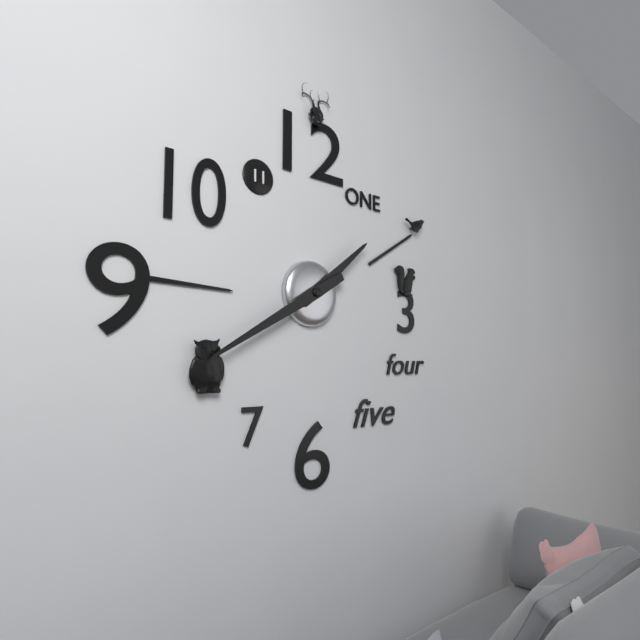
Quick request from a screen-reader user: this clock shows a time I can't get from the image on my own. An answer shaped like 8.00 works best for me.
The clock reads 1.40
